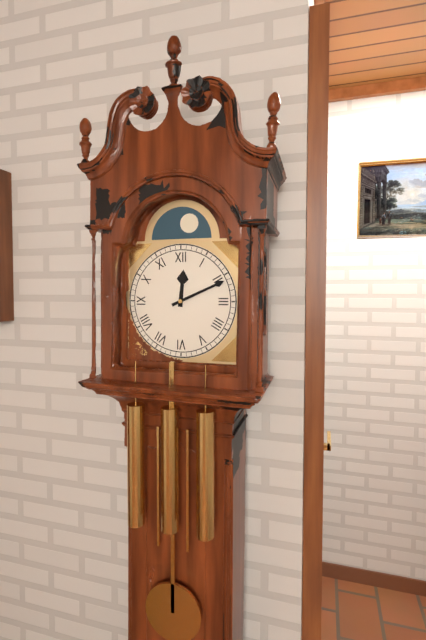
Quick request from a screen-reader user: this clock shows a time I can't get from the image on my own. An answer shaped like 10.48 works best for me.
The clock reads 12.11
